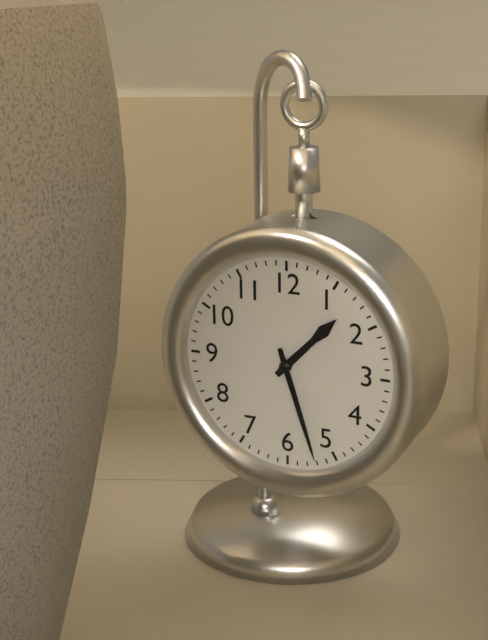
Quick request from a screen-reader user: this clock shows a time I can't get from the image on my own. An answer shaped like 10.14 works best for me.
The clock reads 1.27
